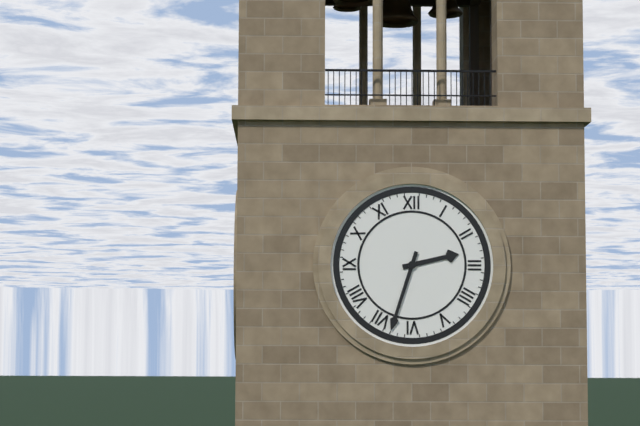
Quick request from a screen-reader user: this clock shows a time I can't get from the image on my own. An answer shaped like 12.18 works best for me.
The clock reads 2.33
